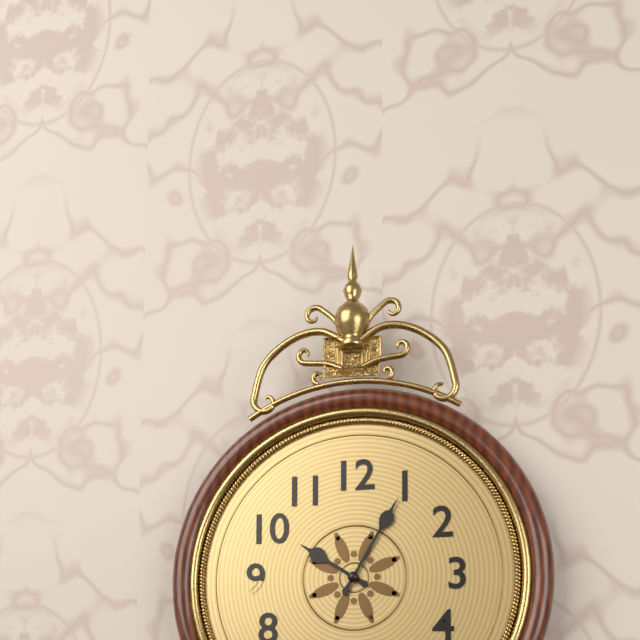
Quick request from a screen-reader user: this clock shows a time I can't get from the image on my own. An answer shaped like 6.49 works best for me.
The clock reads 10.05
